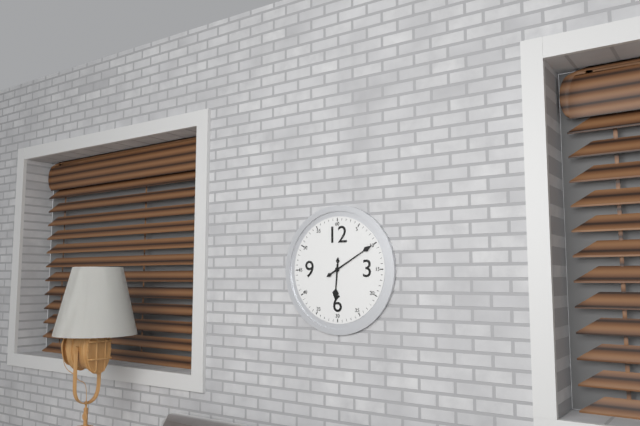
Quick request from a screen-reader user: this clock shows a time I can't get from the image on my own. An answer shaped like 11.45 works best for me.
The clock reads 6.10
